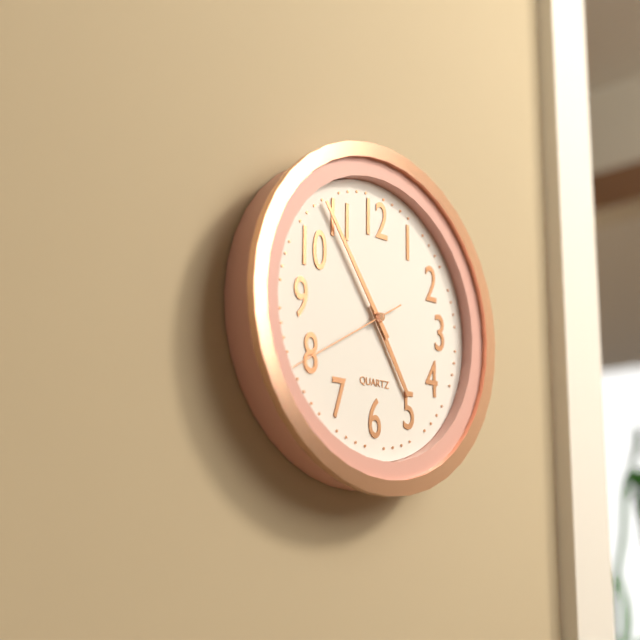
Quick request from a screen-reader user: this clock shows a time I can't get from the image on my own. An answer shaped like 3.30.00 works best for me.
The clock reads 4.54.40
